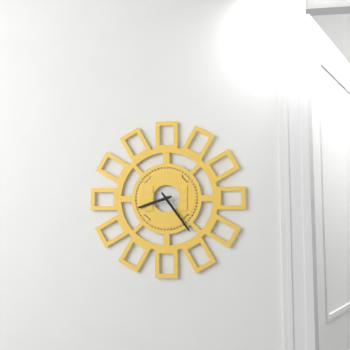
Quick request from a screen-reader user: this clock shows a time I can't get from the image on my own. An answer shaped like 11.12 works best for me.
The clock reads 8.24
